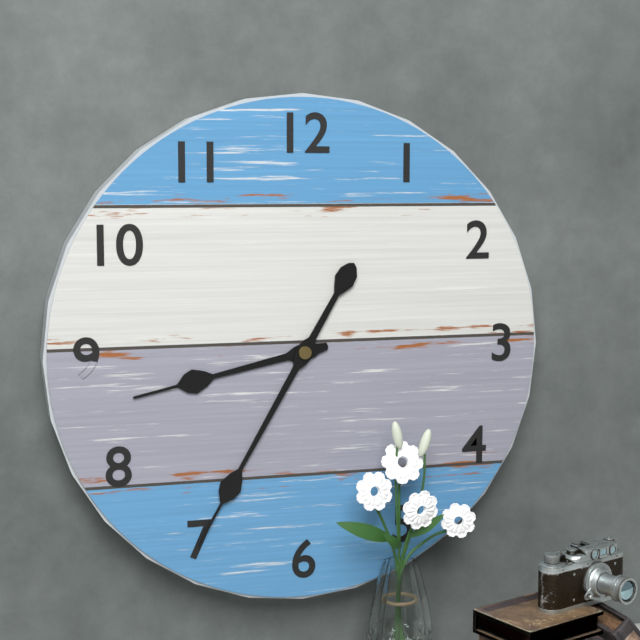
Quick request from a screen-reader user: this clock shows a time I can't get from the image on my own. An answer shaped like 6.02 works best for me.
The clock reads 8.35
